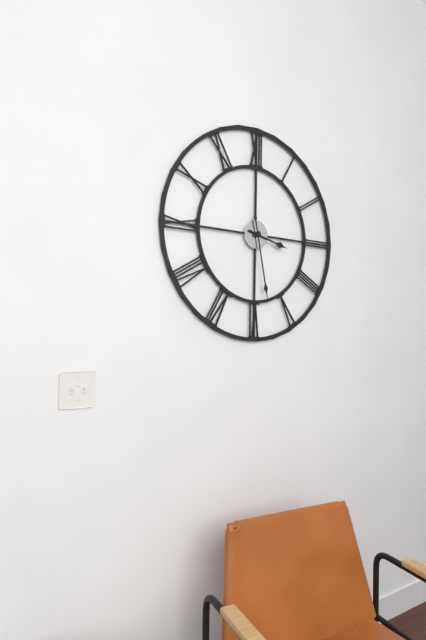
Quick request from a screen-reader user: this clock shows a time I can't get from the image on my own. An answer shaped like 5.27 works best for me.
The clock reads 3.28
